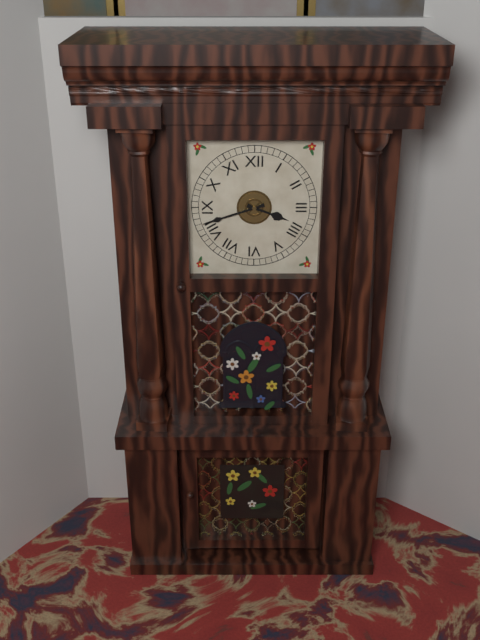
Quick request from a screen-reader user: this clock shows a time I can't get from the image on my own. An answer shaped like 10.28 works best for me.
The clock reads 3.42
